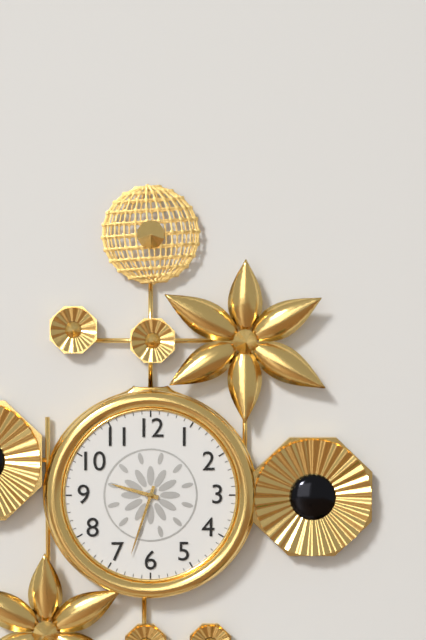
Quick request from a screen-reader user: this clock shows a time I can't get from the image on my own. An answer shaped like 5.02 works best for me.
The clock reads 9.33
